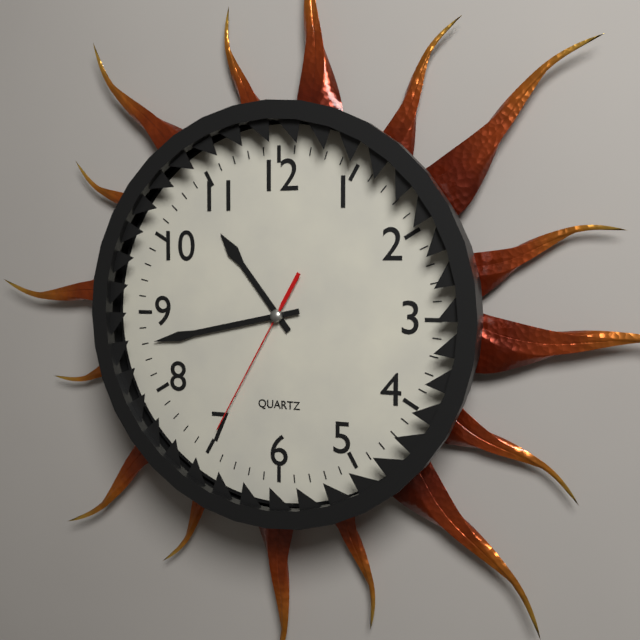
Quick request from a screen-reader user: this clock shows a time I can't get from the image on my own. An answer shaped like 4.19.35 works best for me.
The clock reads 10.43.35
